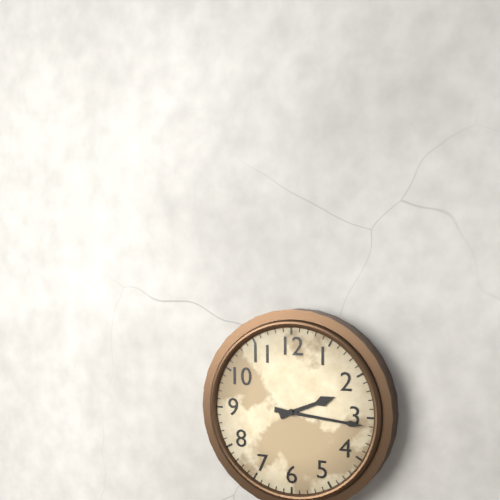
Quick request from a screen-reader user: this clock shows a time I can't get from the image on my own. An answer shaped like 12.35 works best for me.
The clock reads 2.16
